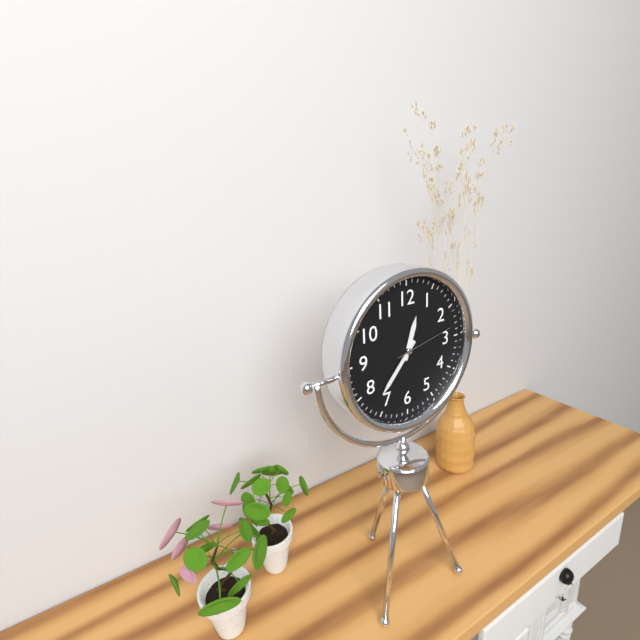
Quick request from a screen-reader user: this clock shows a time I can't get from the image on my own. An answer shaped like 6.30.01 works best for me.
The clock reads 12.37.13
